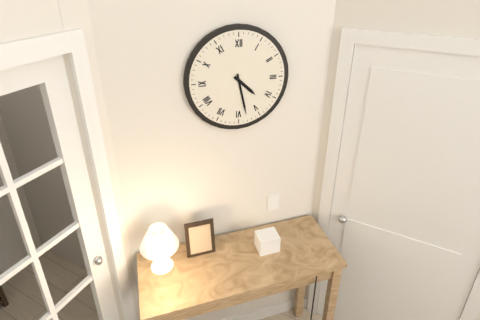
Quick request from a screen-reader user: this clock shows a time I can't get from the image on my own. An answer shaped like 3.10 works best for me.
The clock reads 4.28
